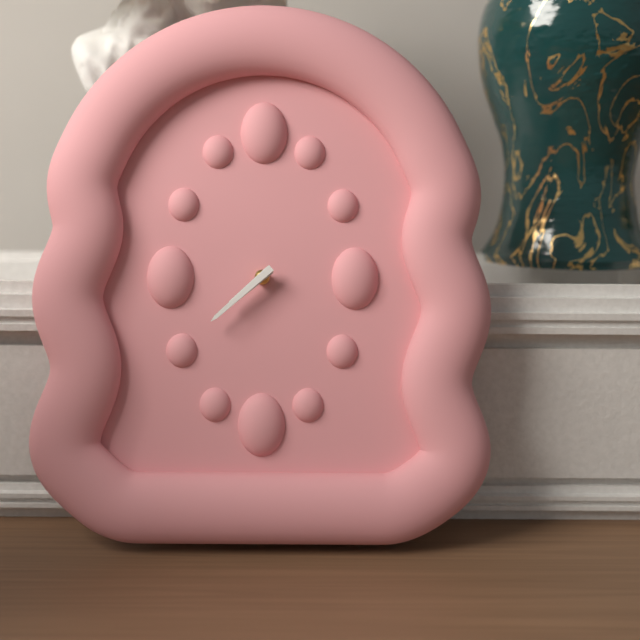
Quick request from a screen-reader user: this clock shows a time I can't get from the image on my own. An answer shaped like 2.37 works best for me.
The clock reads 7.38
